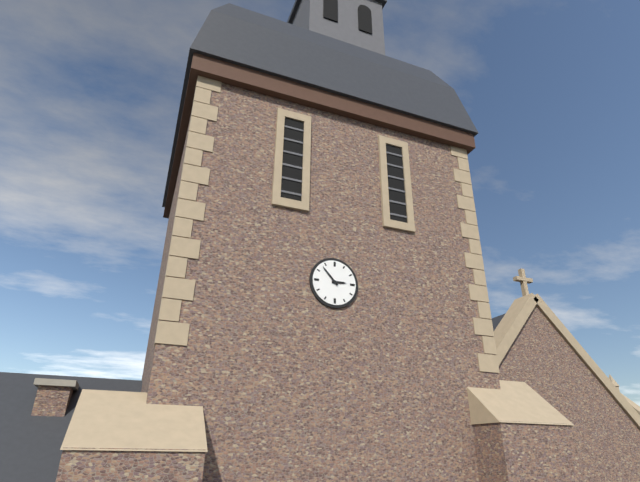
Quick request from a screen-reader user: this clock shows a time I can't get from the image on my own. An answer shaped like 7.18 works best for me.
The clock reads 2.53
